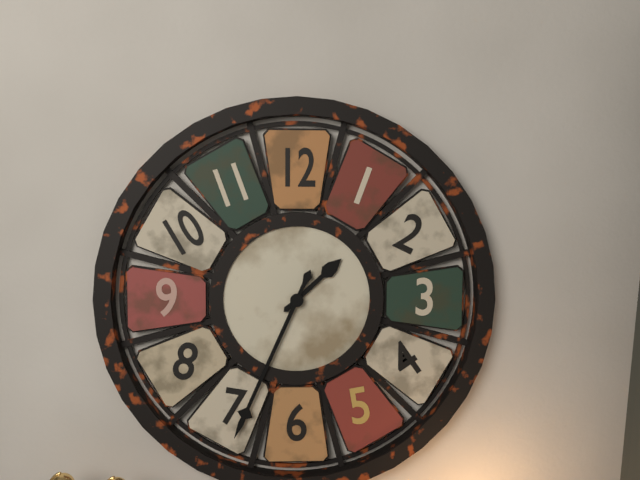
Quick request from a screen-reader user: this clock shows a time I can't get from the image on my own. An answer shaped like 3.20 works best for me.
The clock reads 1.34
